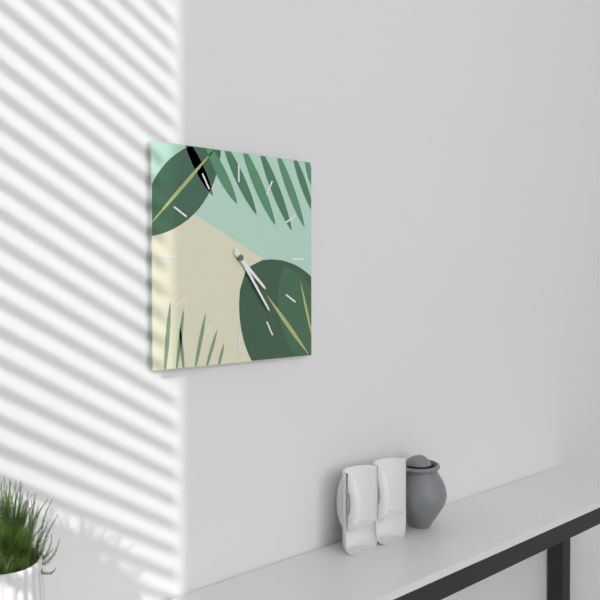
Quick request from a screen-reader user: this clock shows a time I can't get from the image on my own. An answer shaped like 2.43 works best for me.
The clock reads 4.24
